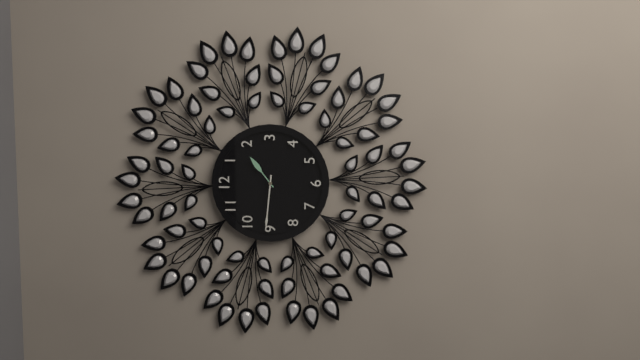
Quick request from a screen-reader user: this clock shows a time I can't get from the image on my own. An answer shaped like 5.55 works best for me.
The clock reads 1.46
